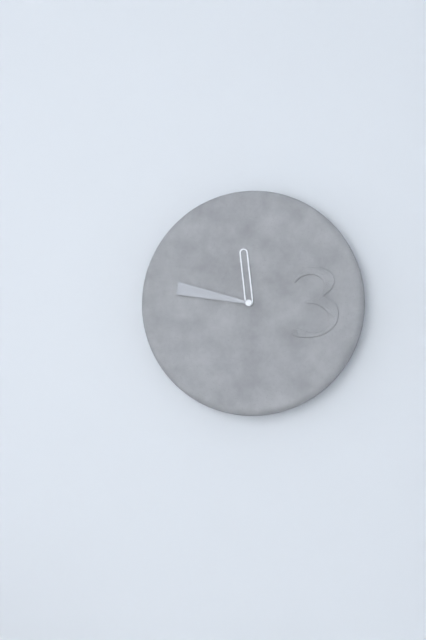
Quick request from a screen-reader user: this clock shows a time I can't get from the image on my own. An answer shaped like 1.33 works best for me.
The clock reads 11.47
